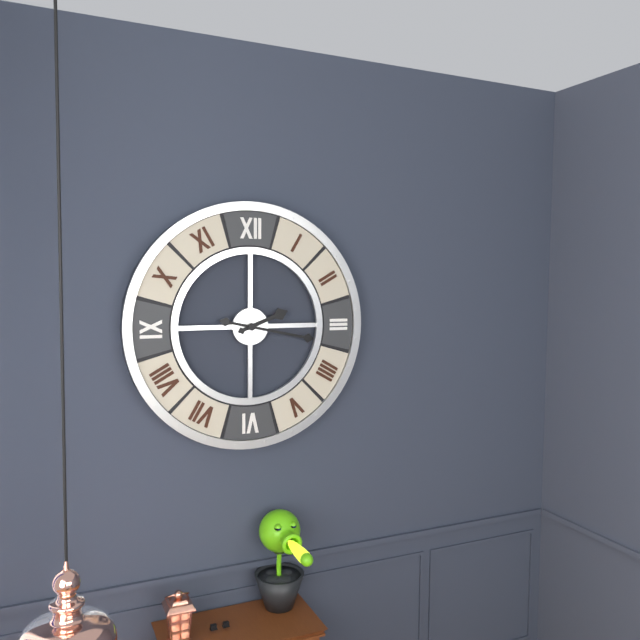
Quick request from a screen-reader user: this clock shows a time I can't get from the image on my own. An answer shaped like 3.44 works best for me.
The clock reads 2.17
